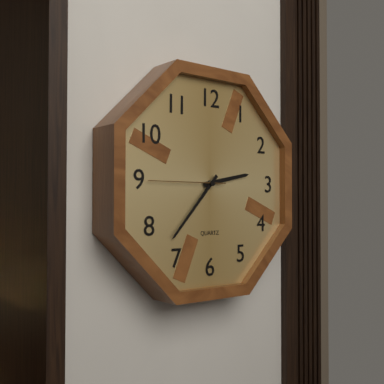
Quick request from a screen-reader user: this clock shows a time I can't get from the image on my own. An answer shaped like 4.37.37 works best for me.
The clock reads 2.37.45
